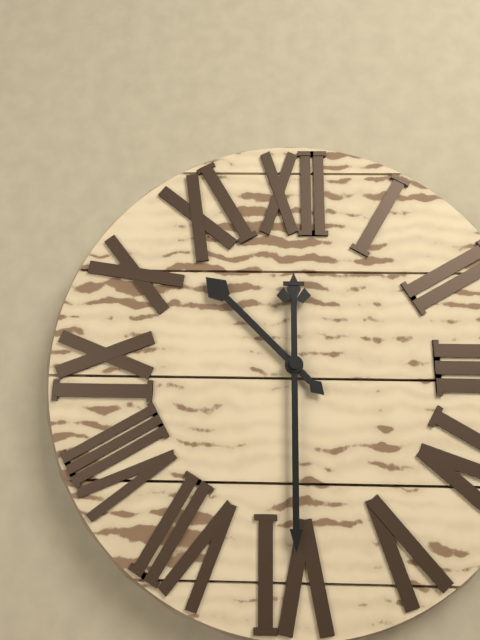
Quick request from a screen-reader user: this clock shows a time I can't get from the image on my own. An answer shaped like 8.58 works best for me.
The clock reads 10.30
